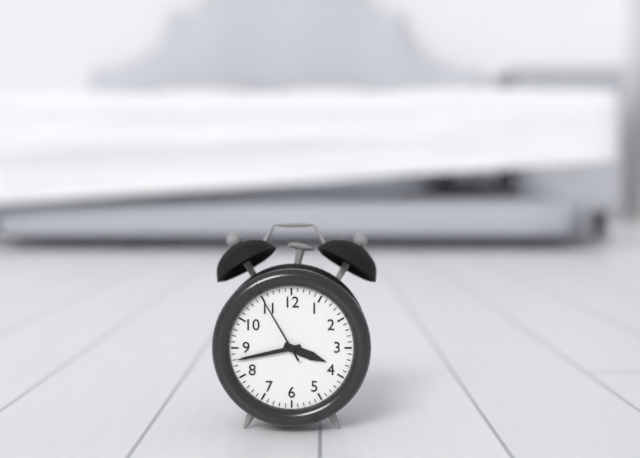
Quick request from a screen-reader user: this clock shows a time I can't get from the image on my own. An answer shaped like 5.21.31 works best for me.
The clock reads 3.43.55
